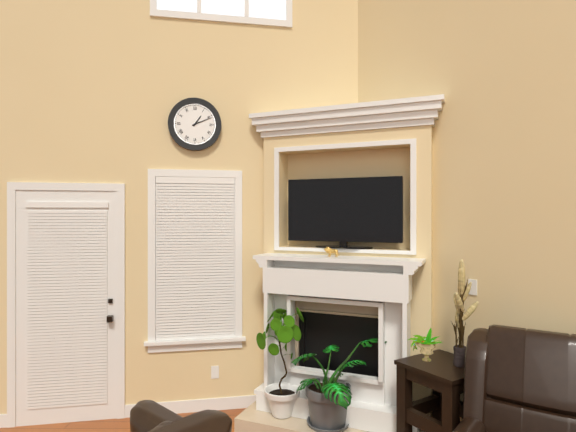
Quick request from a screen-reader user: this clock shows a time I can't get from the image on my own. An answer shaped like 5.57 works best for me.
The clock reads 1.11
